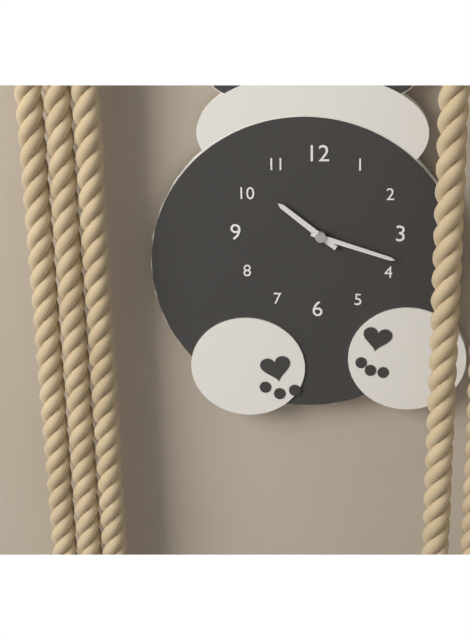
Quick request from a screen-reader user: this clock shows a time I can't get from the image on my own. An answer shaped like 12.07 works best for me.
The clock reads 10.18
